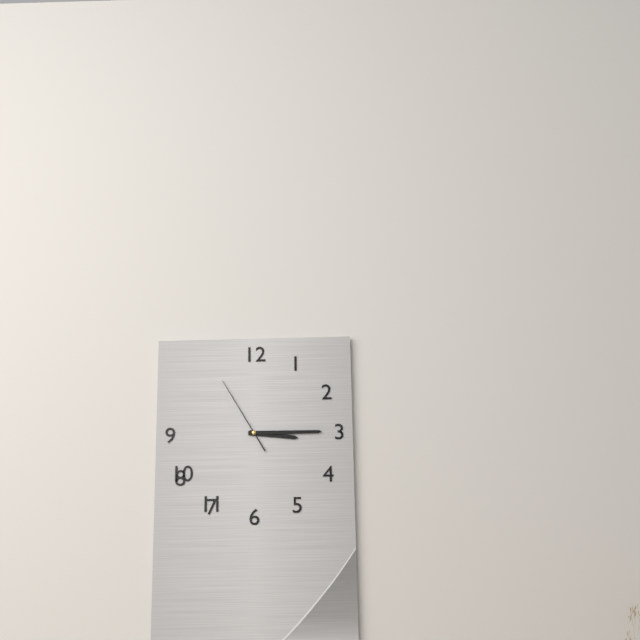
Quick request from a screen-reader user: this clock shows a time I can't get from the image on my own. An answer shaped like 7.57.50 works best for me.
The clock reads 3.15.55
